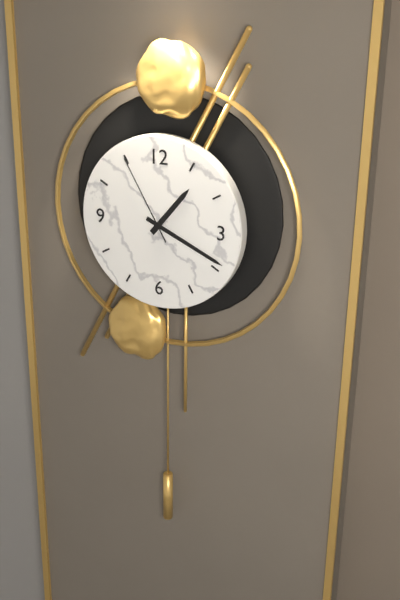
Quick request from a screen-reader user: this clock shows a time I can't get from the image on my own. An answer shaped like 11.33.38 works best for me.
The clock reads 1.19.55
